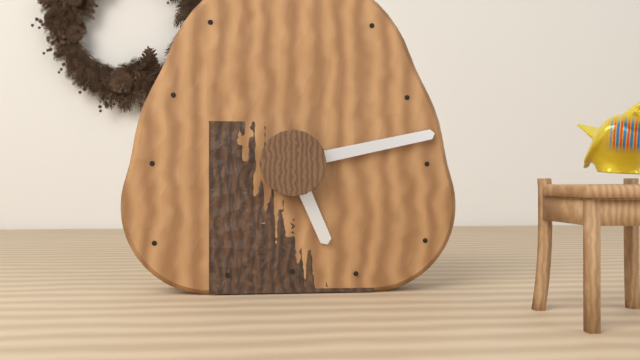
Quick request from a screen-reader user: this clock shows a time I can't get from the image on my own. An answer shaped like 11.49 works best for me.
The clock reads 5.13
